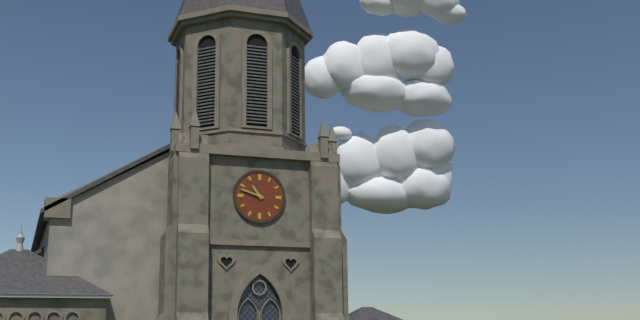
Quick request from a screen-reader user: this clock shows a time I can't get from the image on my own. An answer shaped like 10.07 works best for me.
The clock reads 10.48
